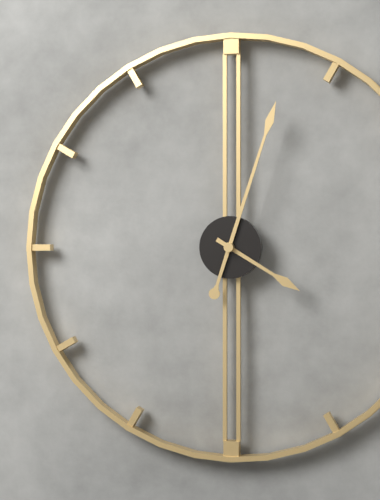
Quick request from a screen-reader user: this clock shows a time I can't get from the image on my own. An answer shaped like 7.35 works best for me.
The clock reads 4.03
